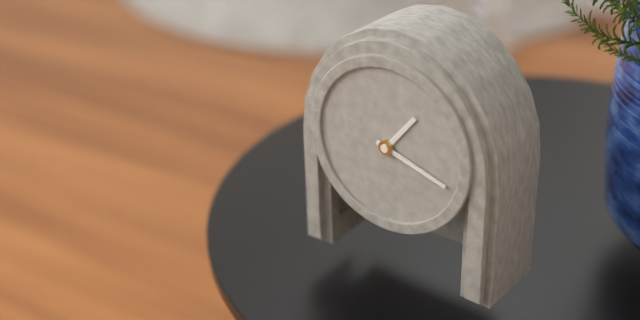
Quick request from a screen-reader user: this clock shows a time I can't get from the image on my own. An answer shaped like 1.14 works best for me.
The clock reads 1.18
